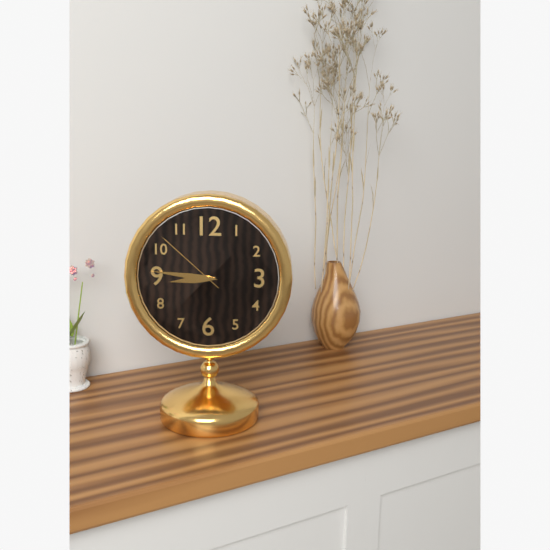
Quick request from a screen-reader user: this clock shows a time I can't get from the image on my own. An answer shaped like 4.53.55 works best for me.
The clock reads 8.46.52
